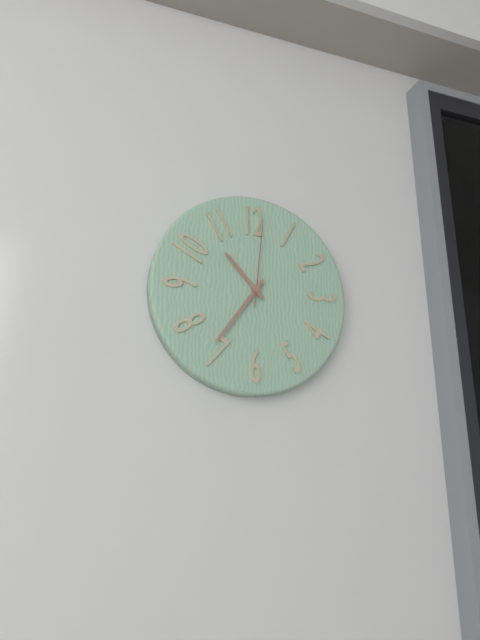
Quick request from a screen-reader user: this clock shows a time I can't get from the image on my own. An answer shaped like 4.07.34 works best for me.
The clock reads 10.36.01
